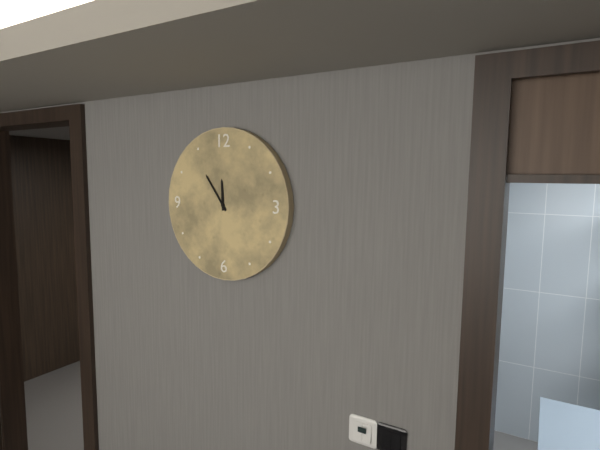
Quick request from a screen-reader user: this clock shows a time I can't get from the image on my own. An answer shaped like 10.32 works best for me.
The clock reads 11.54
